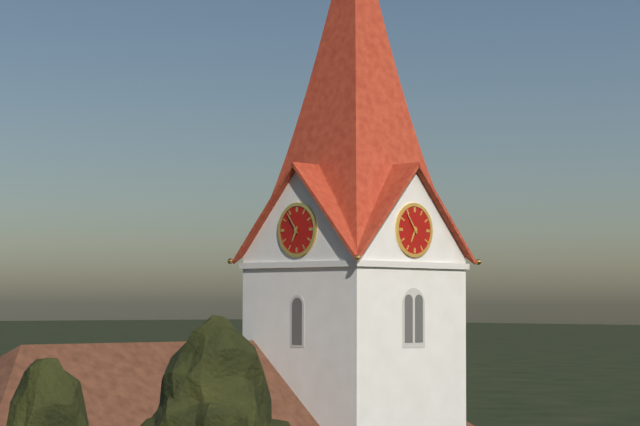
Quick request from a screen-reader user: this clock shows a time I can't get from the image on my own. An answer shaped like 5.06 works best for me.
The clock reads 6.54
